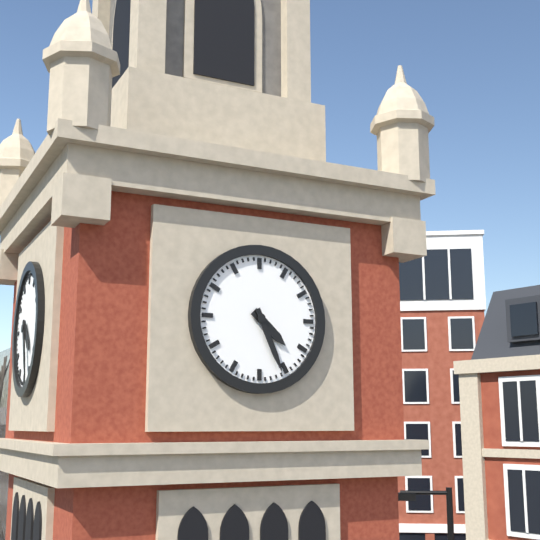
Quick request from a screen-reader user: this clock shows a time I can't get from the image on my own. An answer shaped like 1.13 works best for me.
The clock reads 4.26
